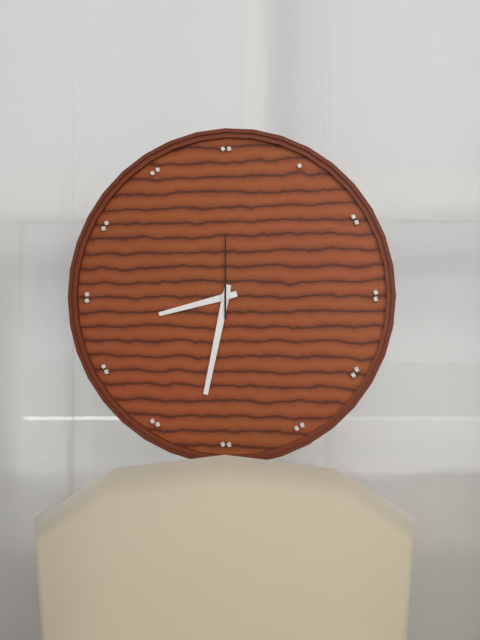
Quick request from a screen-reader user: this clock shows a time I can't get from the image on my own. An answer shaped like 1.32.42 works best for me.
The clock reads 8.32.00
